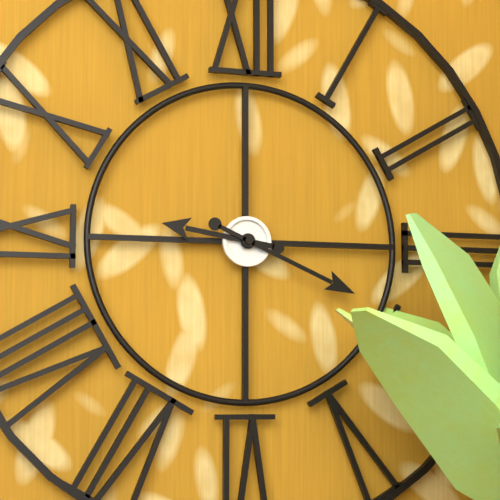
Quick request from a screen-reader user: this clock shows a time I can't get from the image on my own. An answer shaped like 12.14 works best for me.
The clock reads 9.19
